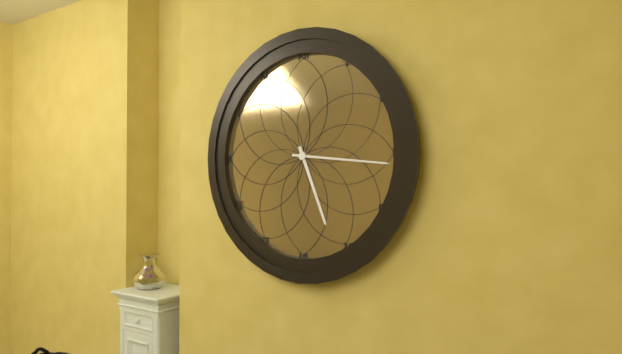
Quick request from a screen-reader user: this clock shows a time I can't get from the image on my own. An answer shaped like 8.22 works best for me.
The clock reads 5.16
